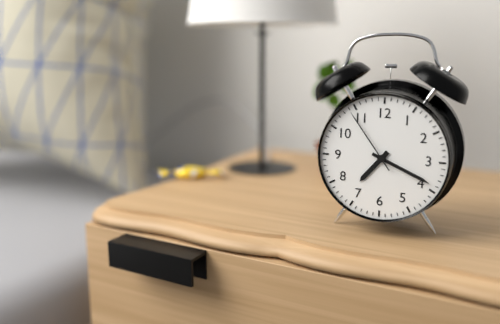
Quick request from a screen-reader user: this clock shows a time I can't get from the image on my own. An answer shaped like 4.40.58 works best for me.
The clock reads 7.19.54
